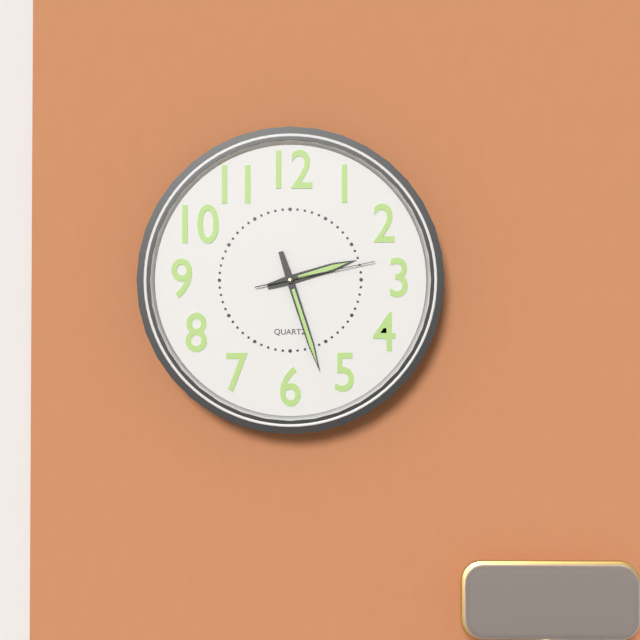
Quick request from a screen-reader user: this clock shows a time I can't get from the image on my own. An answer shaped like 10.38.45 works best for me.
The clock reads 2.27.13
